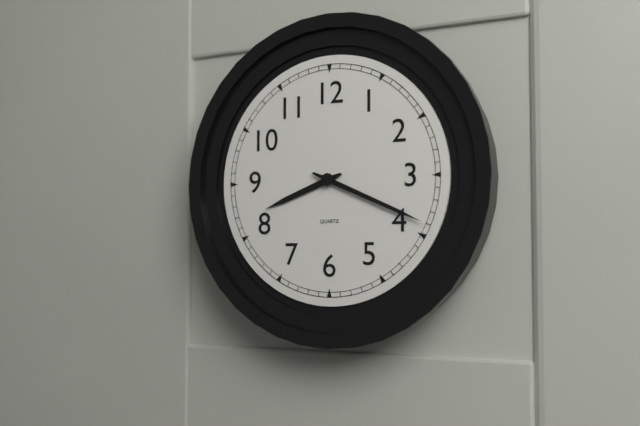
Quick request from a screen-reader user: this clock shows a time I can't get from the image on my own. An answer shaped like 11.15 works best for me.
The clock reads 8.19
